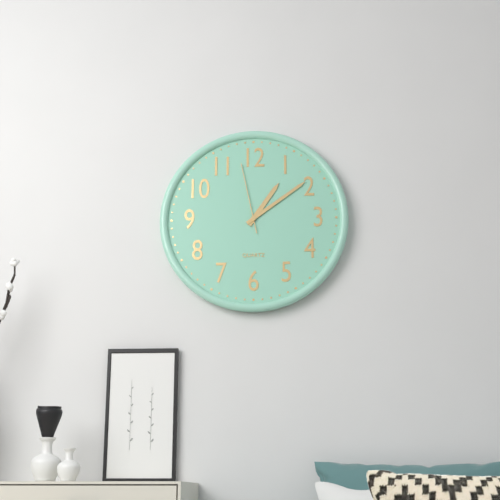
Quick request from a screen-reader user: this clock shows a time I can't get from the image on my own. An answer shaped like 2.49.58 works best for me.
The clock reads 1.09.58
